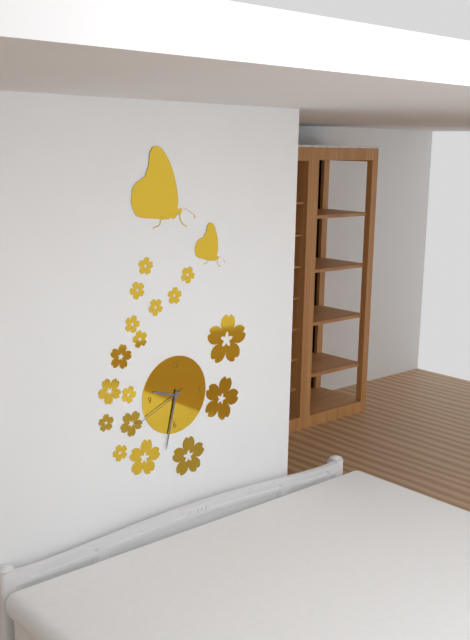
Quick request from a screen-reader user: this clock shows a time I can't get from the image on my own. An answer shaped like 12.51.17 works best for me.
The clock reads 9.32.41
